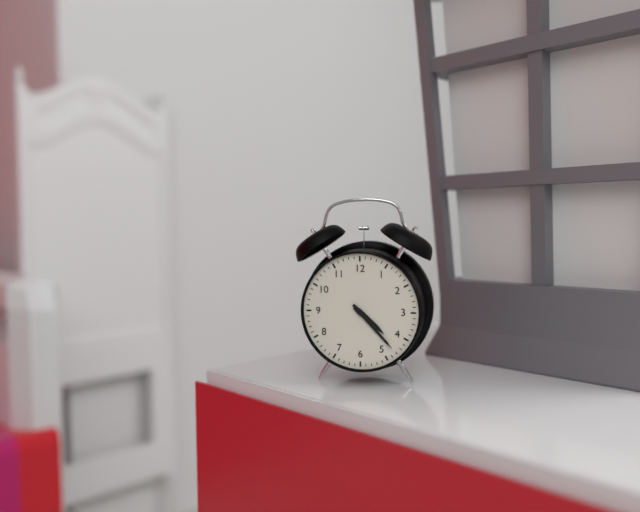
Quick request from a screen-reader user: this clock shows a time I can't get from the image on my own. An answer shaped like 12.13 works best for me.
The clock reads 4.23
